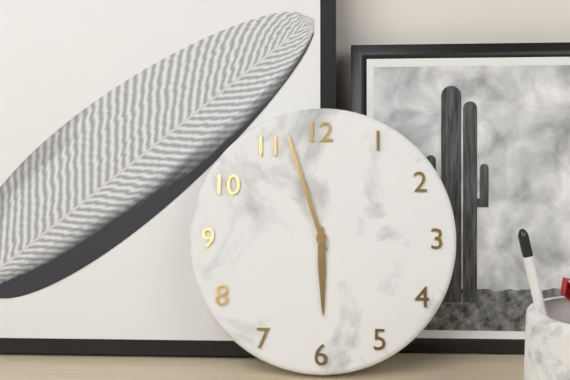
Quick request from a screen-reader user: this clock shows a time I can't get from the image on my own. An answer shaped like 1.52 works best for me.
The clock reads 5.57
